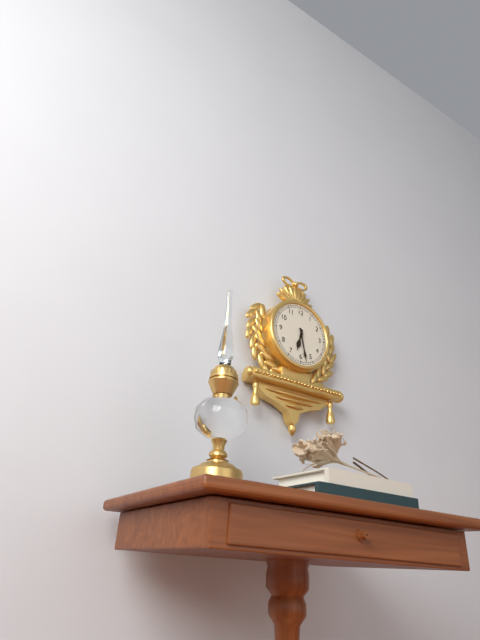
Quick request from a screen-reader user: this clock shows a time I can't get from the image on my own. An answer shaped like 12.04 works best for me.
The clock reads 6.28
